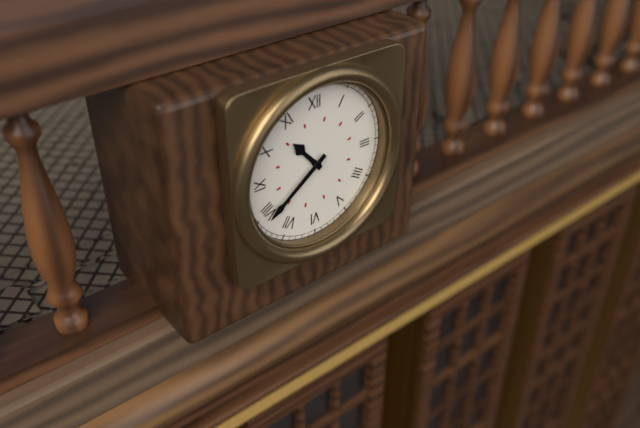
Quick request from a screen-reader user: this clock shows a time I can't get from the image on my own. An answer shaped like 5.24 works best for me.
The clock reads 10.39
